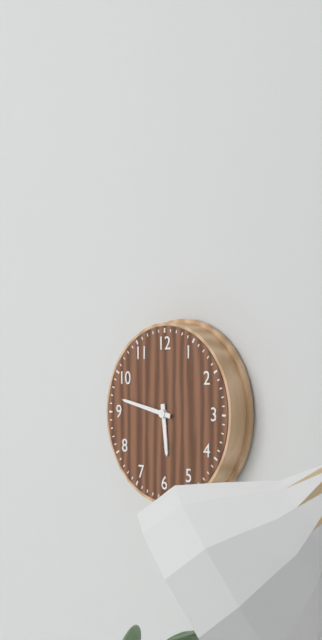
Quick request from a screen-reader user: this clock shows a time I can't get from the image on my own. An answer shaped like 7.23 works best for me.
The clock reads 5.47
